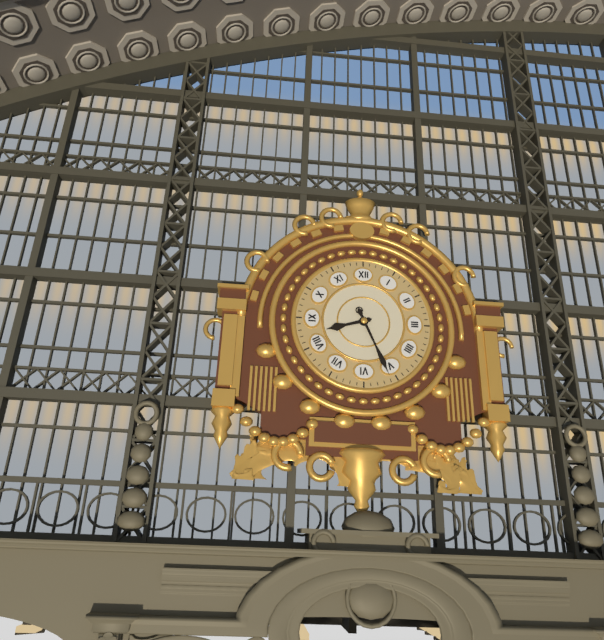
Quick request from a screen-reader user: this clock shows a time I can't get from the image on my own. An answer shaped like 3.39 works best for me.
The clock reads 8.26
